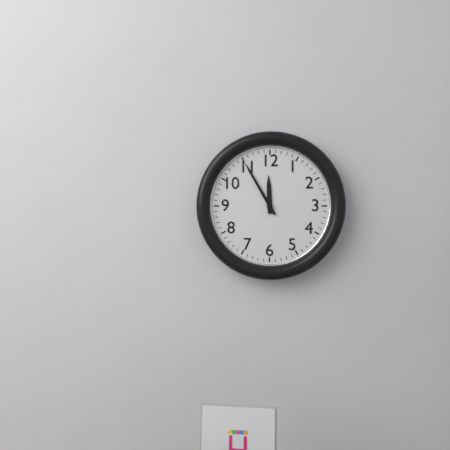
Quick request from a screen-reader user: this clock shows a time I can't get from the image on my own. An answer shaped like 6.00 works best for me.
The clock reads 11.55
